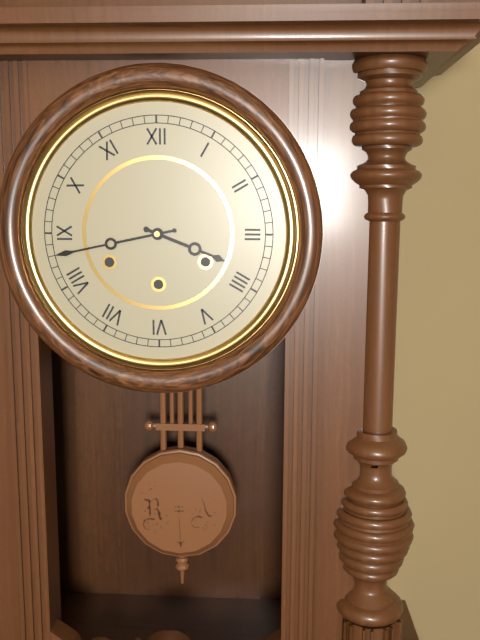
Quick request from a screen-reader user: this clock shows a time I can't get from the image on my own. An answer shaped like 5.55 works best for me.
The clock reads 3.43
